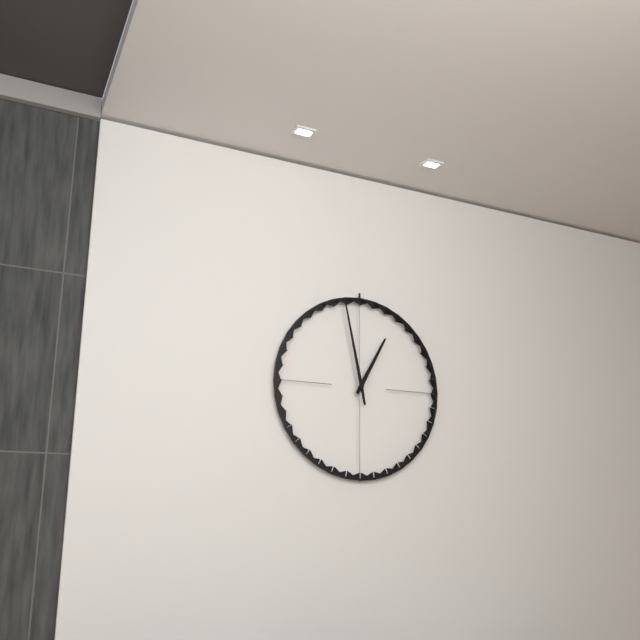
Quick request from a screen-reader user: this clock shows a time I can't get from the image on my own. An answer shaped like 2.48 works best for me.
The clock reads 12.58
